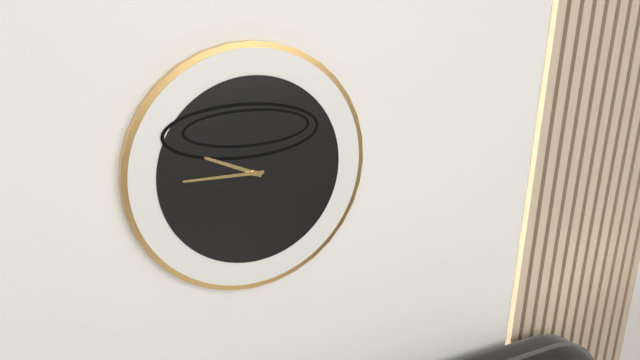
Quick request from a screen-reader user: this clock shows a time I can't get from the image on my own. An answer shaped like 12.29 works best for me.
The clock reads 9.45
